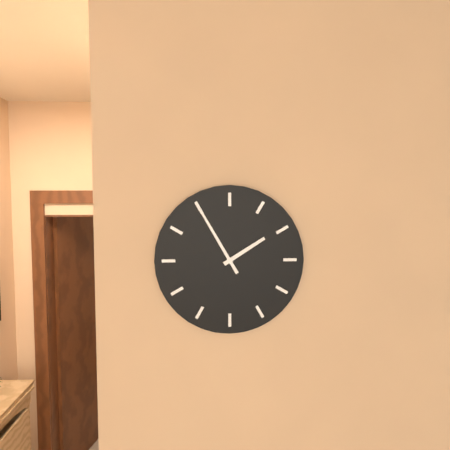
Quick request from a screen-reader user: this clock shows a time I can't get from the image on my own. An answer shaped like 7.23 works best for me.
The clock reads 1.55
